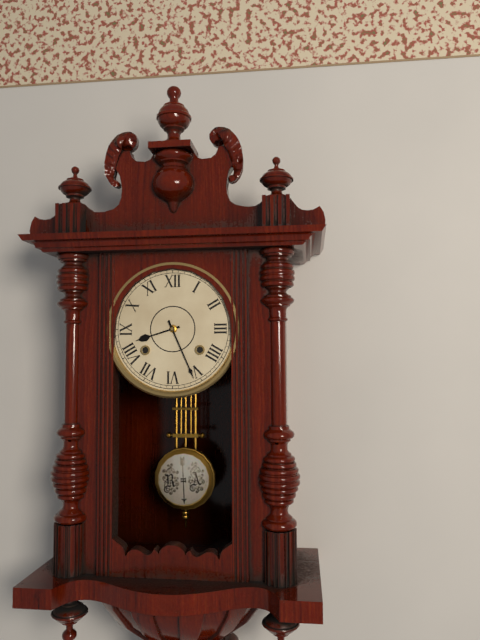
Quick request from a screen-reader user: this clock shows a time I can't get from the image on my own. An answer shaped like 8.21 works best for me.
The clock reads 8.26
